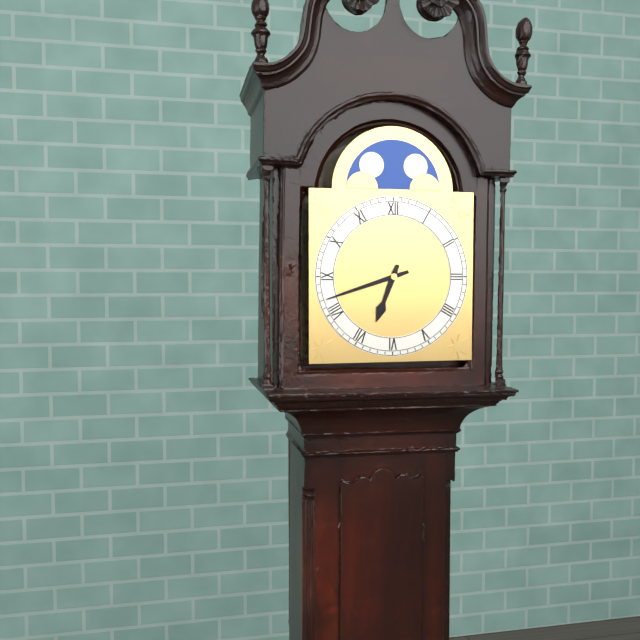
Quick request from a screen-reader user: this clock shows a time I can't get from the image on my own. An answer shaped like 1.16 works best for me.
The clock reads 6.42
